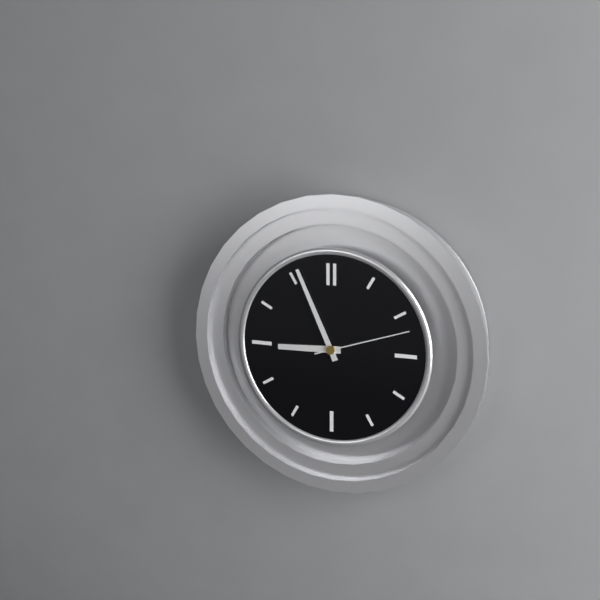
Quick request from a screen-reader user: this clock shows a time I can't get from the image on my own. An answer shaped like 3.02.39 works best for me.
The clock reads 8.56.12
